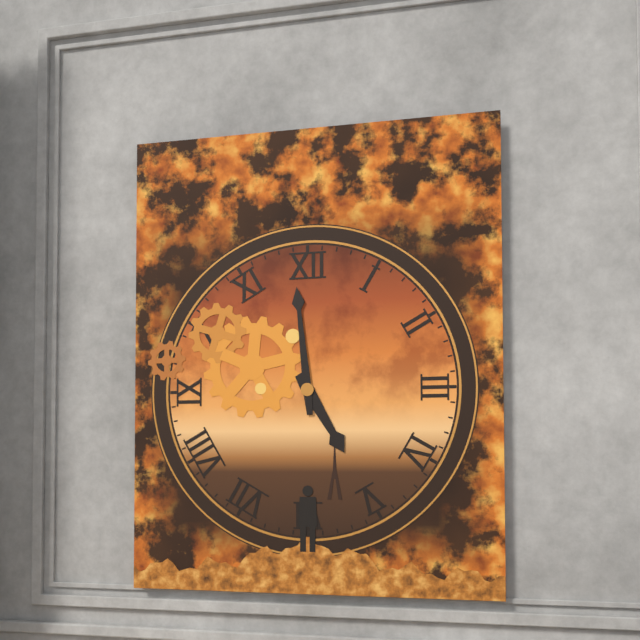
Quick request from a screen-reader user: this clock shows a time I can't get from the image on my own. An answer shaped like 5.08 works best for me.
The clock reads 4.59
